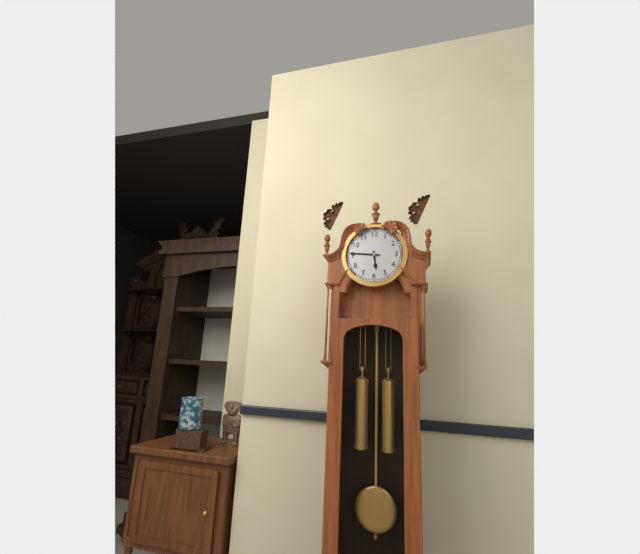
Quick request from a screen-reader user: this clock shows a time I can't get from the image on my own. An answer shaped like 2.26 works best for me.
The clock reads 5.46
